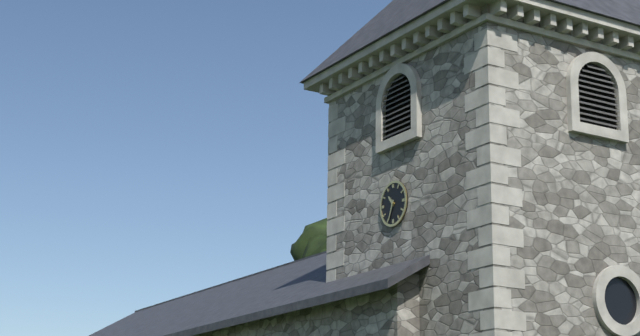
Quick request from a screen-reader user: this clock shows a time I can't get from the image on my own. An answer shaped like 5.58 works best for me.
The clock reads 10.34
